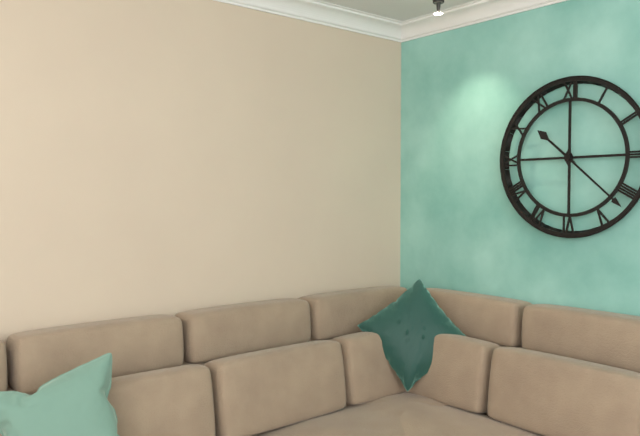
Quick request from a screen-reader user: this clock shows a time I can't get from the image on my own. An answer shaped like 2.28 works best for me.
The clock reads 10.22
